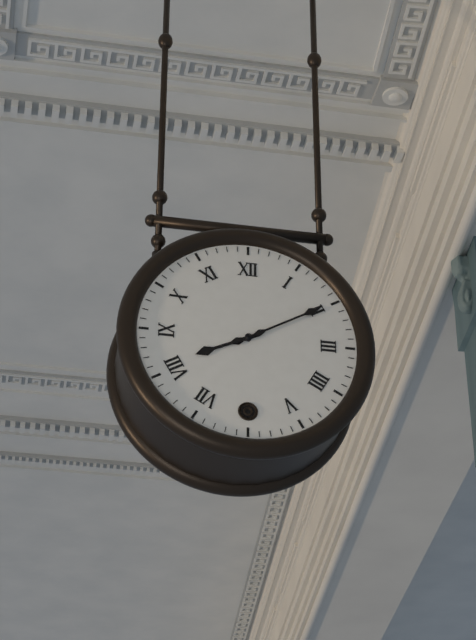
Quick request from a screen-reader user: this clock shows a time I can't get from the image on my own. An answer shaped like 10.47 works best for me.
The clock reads 8.10
